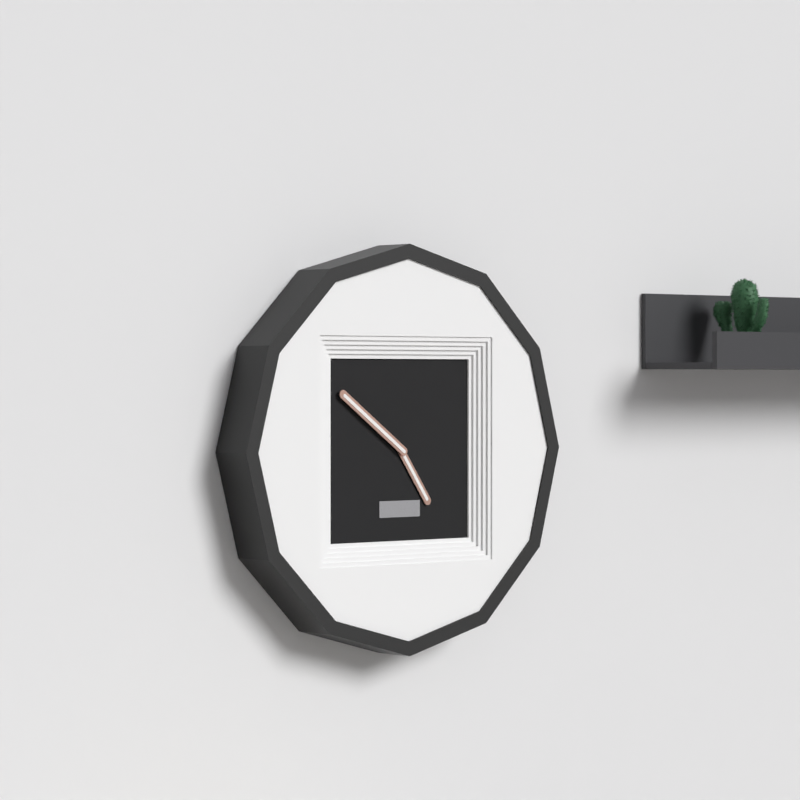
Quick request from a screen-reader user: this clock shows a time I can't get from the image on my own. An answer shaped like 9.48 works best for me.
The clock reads 4.51
